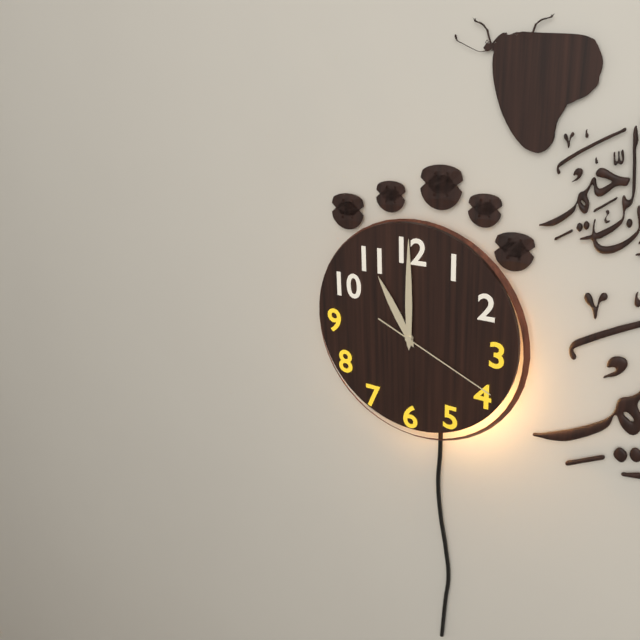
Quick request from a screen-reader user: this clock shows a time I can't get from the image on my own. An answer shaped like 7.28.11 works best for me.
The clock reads 11.00.19
